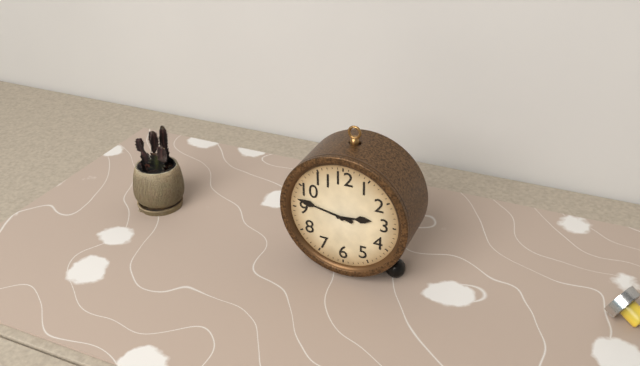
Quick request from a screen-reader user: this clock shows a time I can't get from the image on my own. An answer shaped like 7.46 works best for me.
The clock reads 2.47
